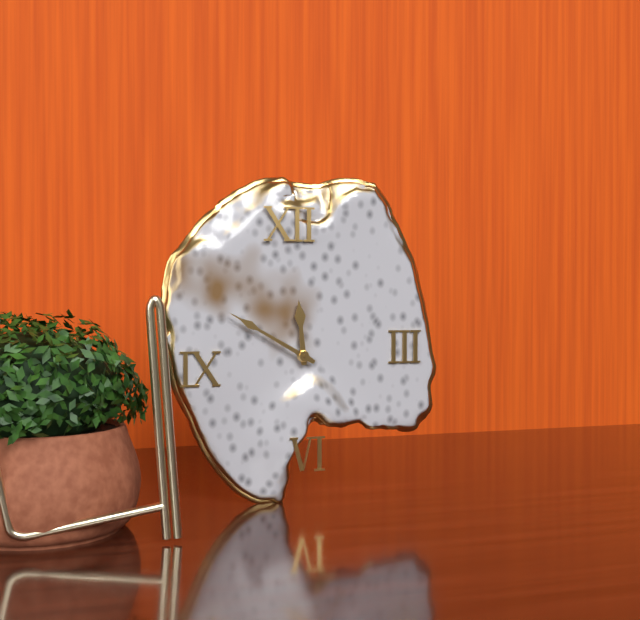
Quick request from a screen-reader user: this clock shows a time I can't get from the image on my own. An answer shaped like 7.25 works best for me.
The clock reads 11.50
